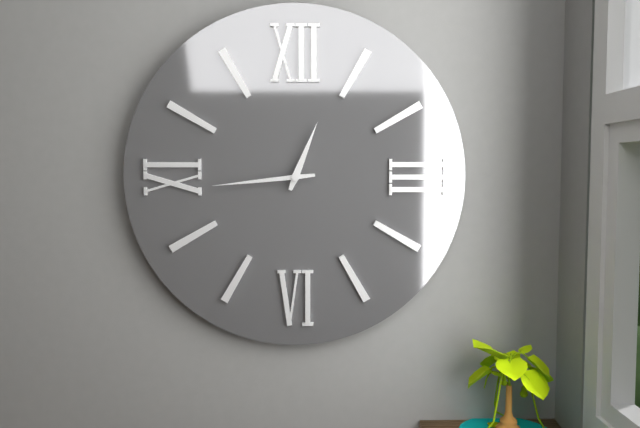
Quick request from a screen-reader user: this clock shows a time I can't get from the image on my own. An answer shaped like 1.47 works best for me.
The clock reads 12.44
